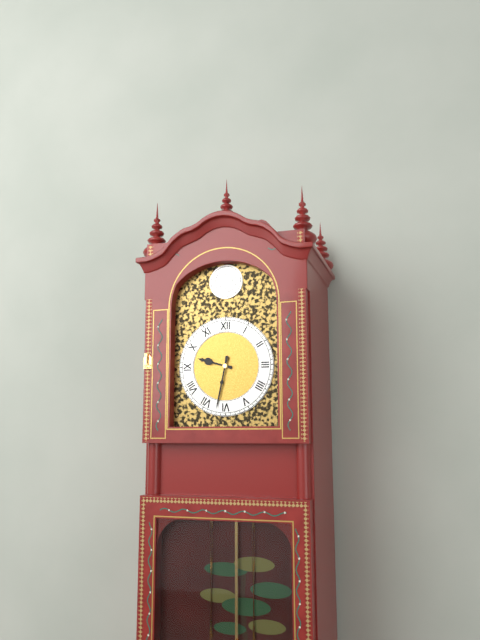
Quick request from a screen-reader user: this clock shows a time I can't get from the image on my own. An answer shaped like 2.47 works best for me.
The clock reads 9.32
